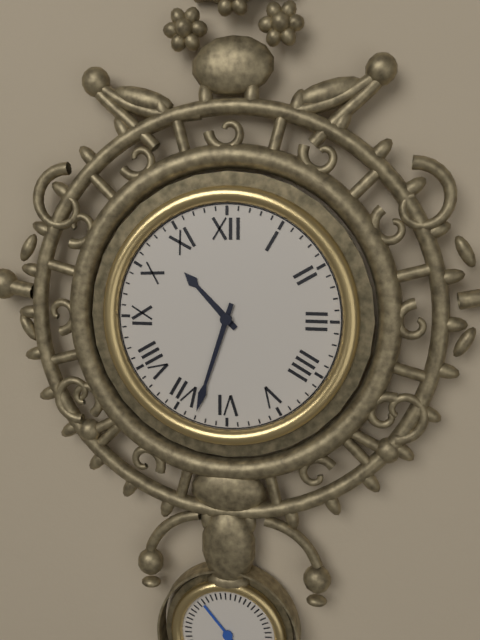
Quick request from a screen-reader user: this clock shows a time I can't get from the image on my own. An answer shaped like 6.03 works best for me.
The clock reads 10.33
